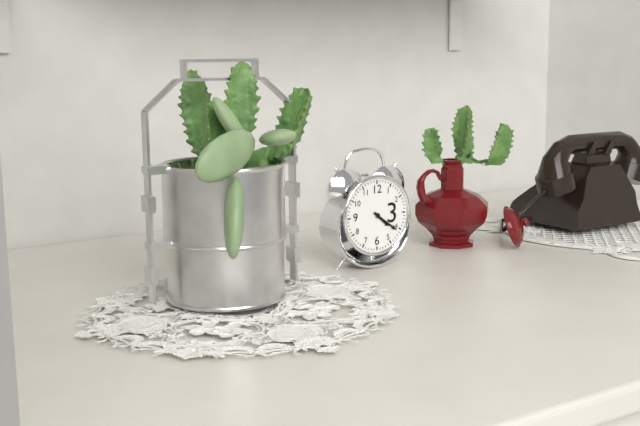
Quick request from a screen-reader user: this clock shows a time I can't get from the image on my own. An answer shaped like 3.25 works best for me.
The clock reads 4.21
